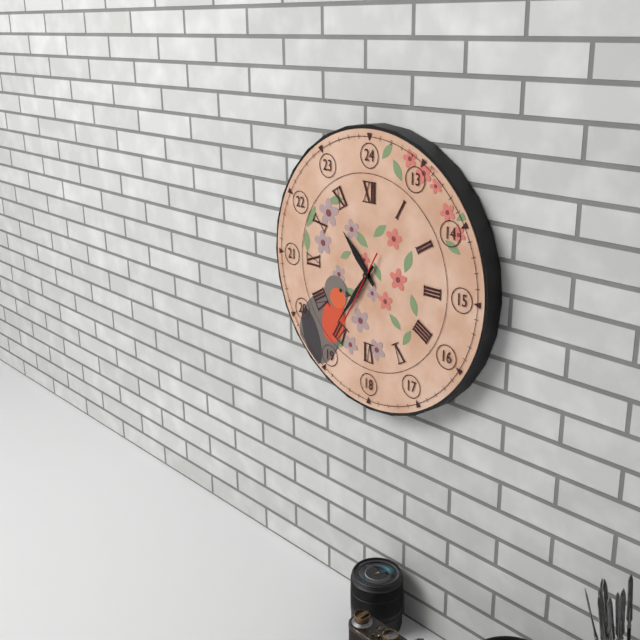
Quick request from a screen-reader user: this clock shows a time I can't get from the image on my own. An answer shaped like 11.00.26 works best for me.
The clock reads 10.36.35
